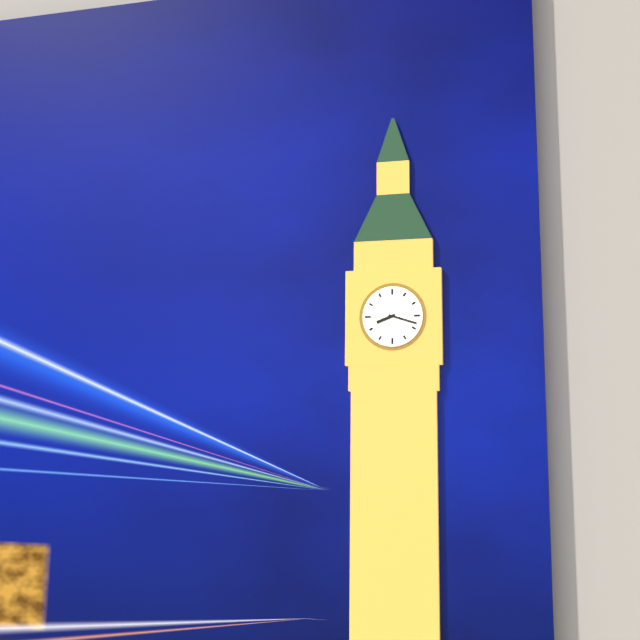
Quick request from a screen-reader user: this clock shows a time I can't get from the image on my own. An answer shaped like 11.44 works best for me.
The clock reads 8.18
